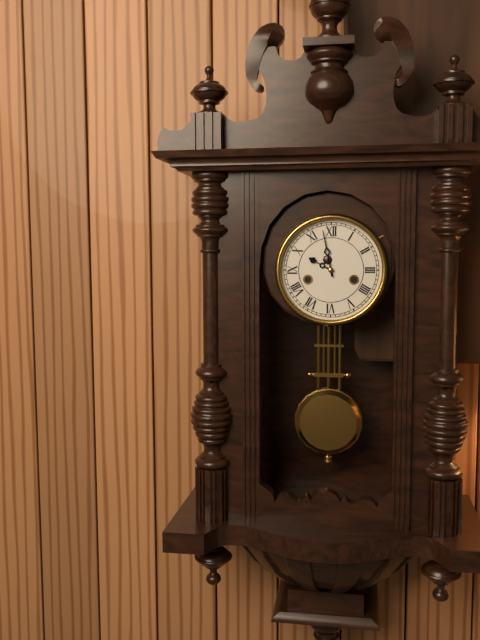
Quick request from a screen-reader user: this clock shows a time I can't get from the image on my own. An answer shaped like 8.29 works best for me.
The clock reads 9.58
